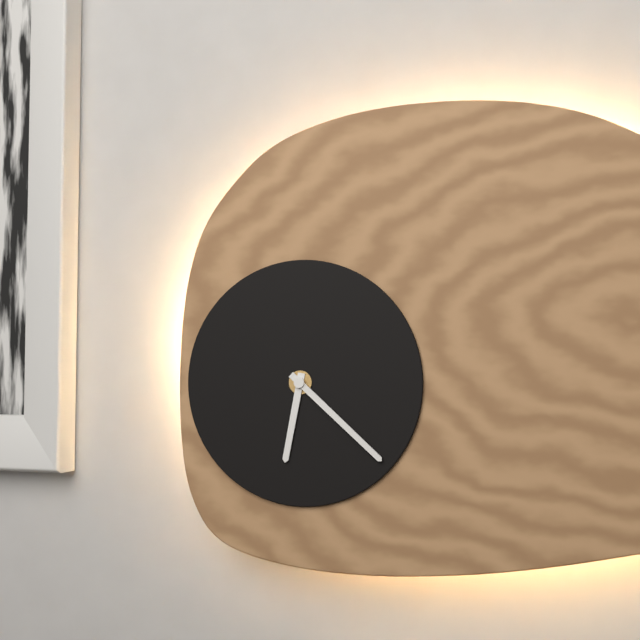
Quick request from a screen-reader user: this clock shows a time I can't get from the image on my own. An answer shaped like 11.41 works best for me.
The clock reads 6.22
